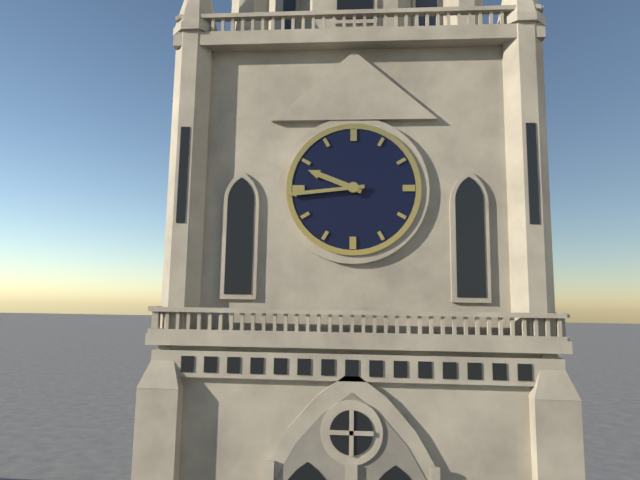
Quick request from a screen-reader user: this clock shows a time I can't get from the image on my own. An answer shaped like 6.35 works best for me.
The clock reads 9.44
